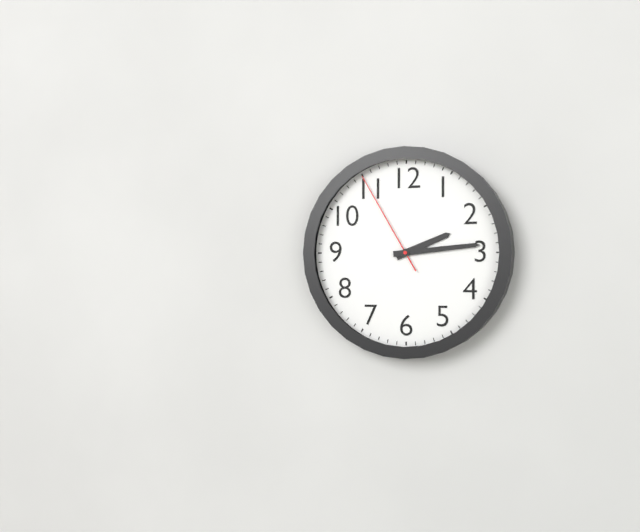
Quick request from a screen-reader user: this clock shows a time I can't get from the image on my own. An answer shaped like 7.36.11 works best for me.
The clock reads 2.14.55
